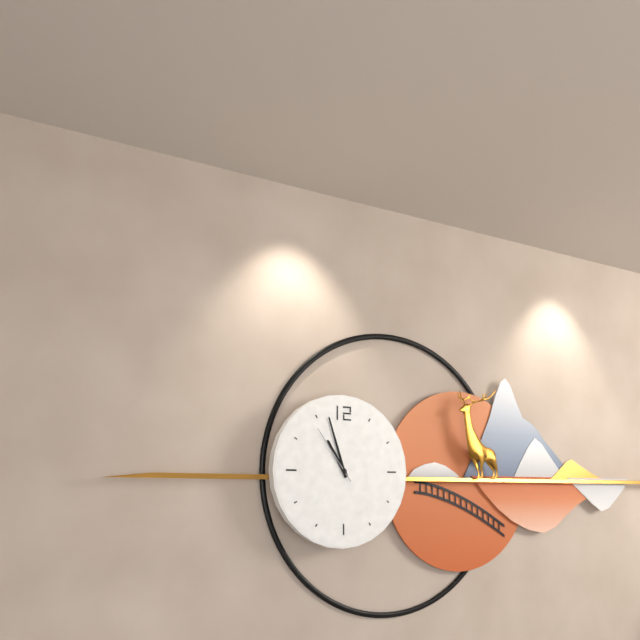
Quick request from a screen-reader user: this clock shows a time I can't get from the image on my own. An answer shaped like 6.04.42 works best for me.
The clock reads 10.57.54
